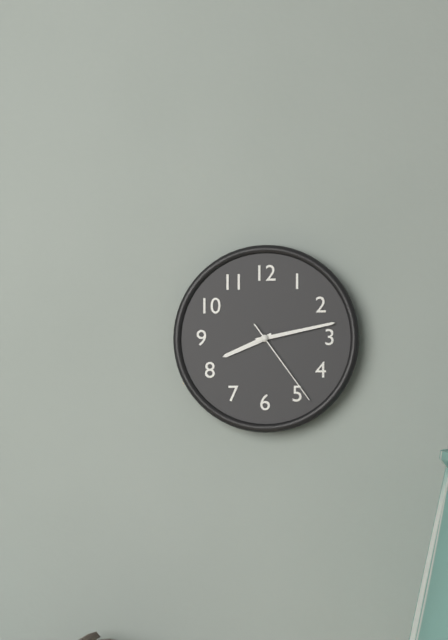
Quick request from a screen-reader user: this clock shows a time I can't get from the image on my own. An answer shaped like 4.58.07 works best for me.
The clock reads 8.13.24
